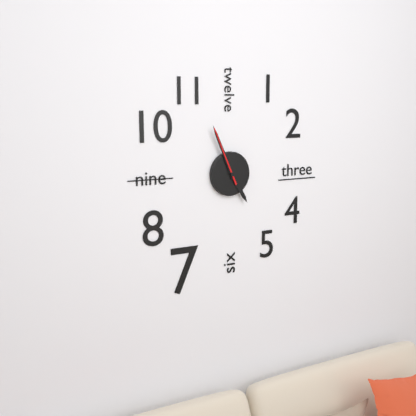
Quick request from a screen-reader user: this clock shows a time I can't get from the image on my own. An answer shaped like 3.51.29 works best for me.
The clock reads 4.56.56
